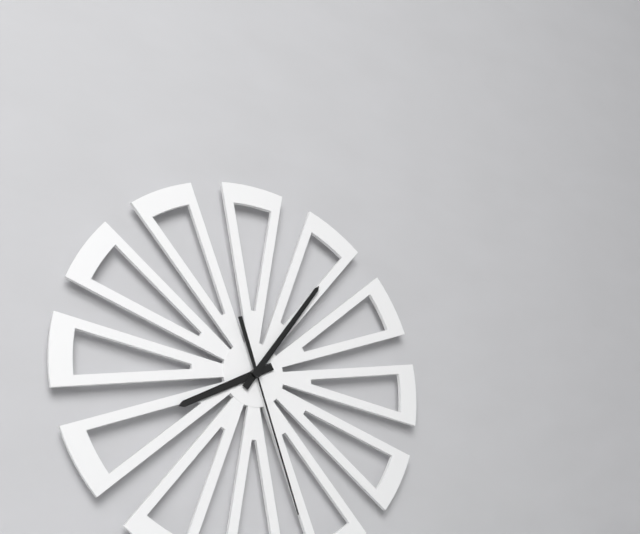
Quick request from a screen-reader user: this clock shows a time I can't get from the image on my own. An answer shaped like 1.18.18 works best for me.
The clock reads 8.06.27
